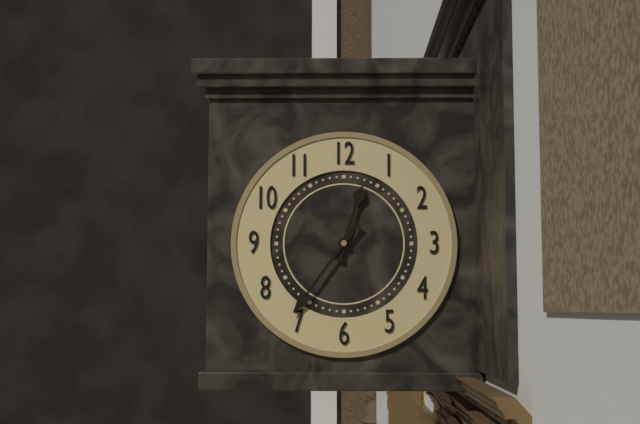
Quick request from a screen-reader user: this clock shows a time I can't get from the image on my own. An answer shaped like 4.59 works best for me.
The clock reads 12.36
